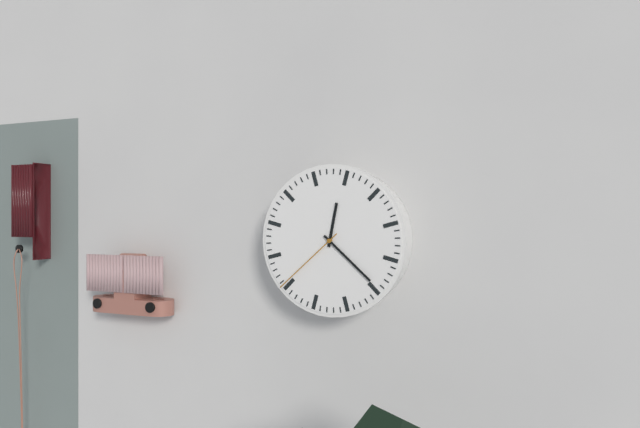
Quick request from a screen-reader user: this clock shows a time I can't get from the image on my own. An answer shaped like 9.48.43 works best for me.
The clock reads 12.22.38
